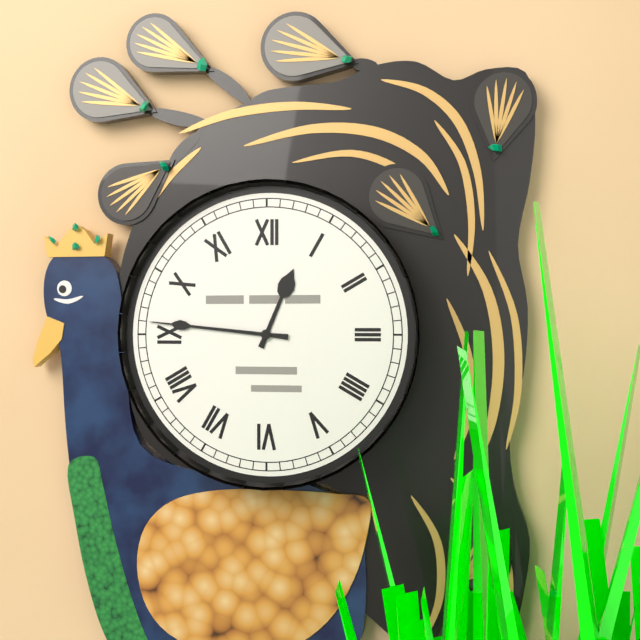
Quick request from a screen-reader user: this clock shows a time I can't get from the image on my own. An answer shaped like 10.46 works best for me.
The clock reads 12.46
